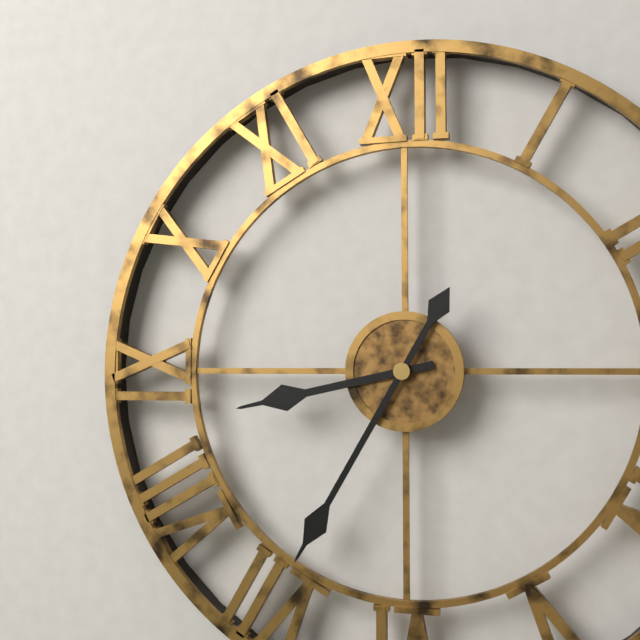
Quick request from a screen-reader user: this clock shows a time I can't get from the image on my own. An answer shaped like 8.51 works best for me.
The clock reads 8.35
